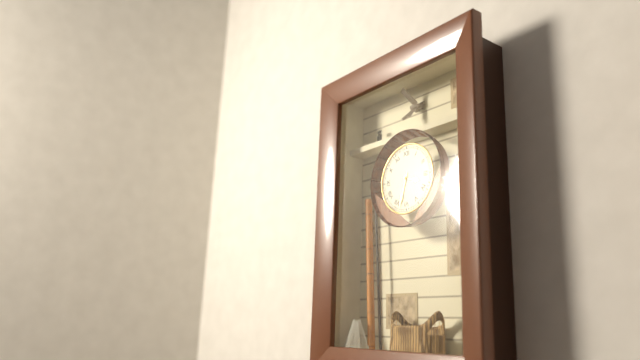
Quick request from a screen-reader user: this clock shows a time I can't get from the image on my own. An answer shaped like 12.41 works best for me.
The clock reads 3.33
